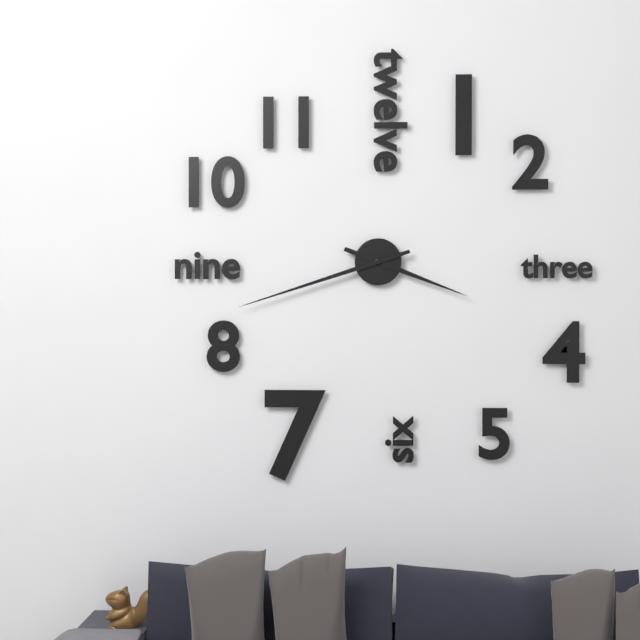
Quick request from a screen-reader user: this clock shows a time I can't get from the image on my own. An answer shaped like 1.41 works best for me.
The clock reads 3.42
